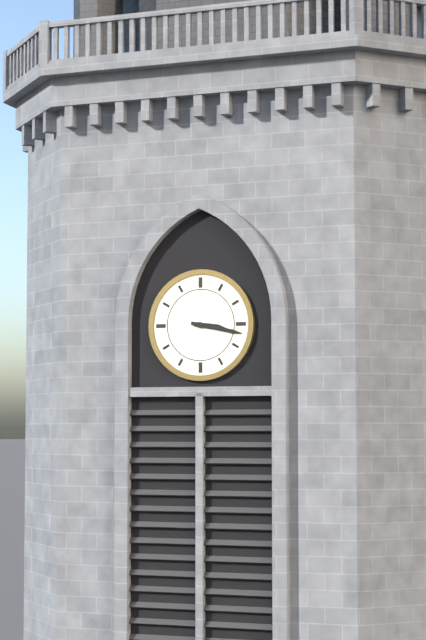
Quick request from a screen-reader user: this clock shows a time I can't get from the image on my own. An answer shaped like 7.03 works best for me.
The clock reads 3.17
